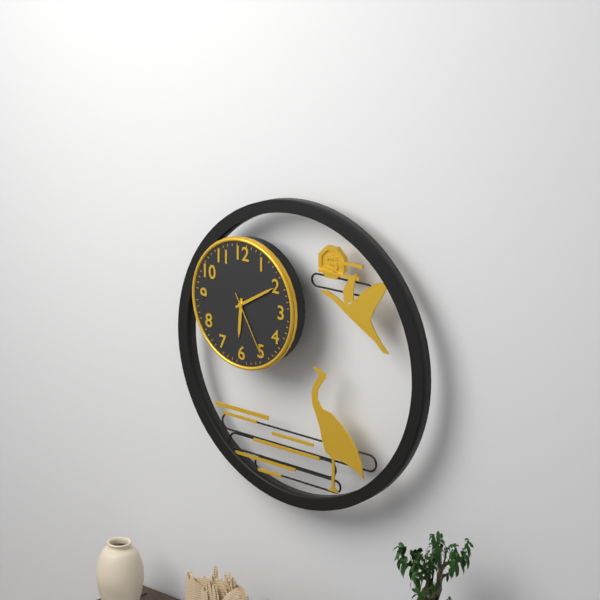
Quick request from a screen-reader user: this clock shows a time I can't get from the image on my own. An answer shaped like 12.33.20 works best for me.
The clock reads 6.10.25
